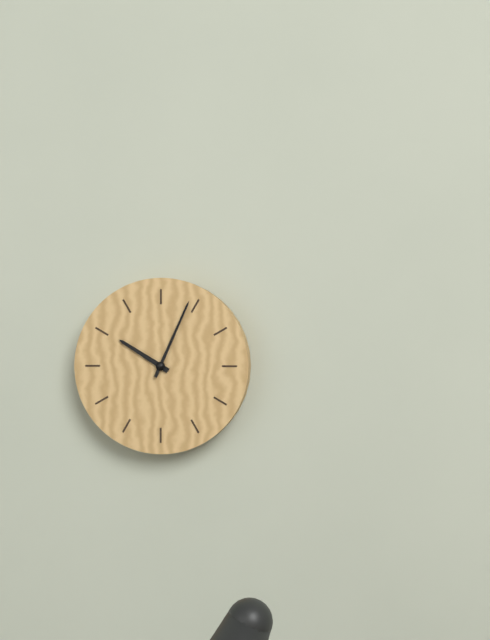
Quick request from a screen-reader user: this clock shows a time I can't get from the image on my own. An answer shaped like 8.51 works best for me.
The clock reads 10.04
